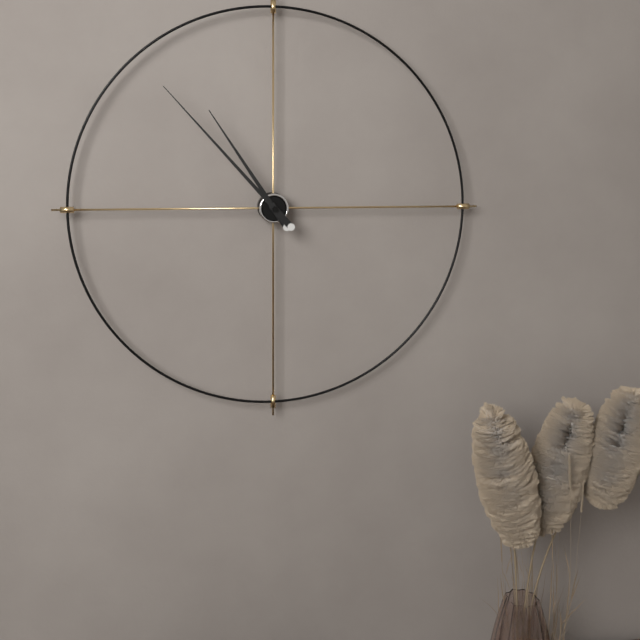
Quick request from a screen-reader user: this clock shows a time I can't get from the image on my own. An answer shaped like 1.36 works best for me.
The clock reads 10.53
